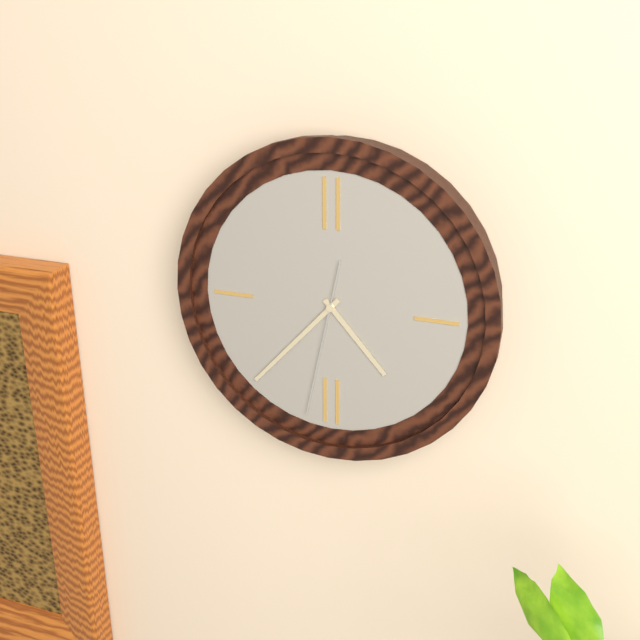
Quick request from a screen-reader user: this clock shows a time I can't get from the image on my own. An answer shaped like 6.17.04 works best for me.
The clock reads 4.37.32
